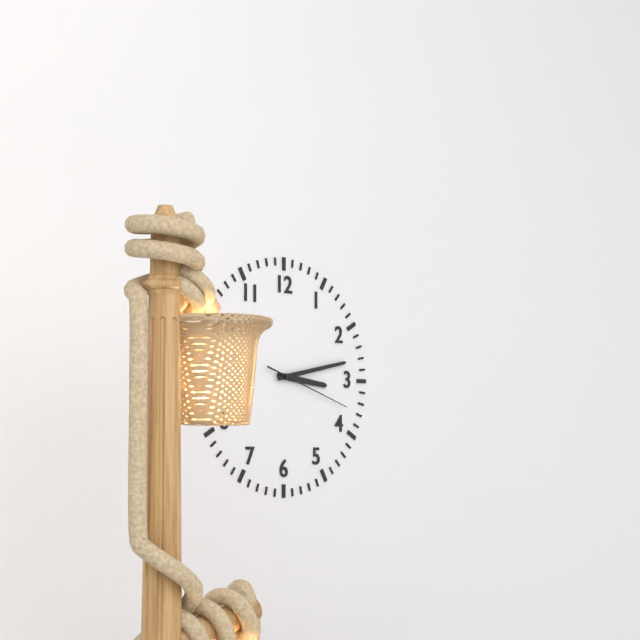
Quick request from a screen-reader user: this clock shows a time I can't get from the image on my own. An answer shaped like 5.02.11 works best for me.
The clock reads 3.13.18
